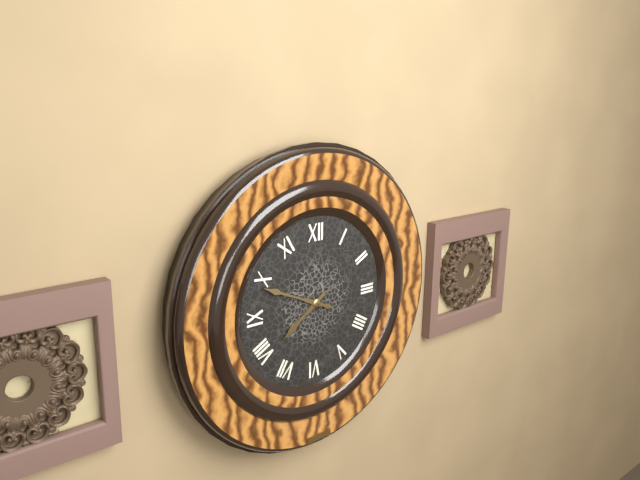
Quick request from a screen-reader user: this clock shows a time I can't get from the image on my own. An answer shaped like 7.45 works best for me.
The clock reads 7.49
